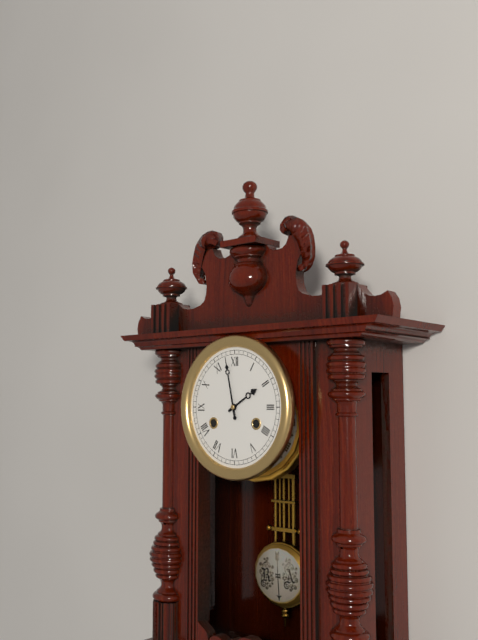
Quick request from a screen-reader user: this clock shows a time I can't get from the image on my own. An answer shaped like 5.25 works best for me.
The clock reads 1.58
